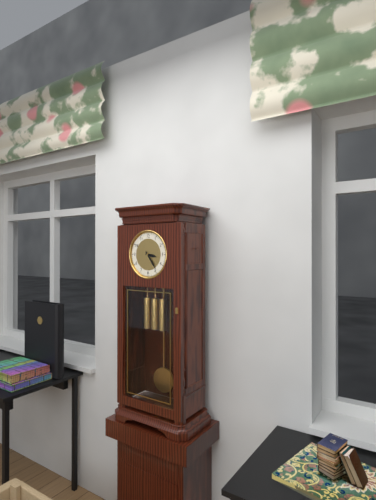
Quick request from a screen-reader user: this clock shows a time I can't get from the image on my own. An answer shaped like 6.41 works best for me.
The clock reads 3.24
